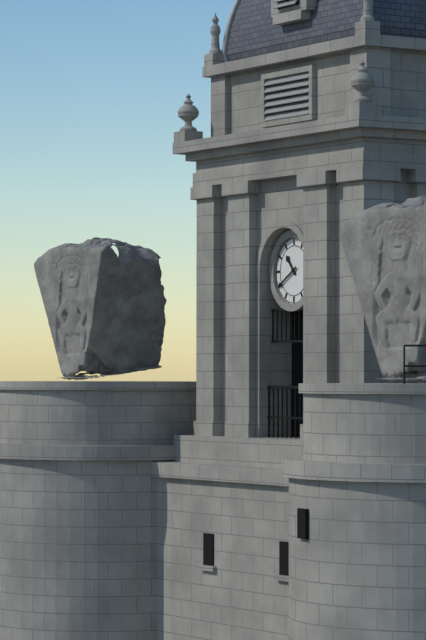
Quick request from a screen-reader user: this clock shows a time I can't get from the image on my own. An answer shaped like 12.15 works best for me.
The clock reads 10.40
